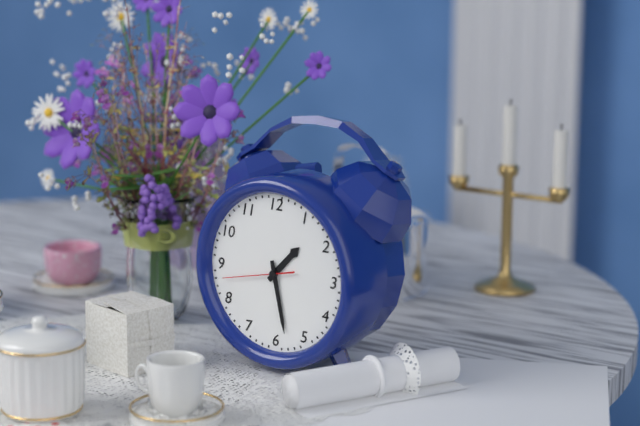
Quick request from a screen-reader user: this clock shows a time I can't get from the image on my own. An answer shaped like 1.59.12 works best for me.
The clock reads 1.28.43
